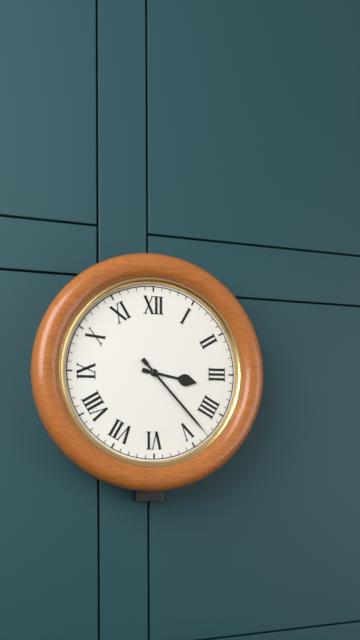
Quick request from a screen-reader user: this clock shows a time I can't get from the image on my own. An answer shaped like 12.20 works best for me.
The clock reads 3.23
